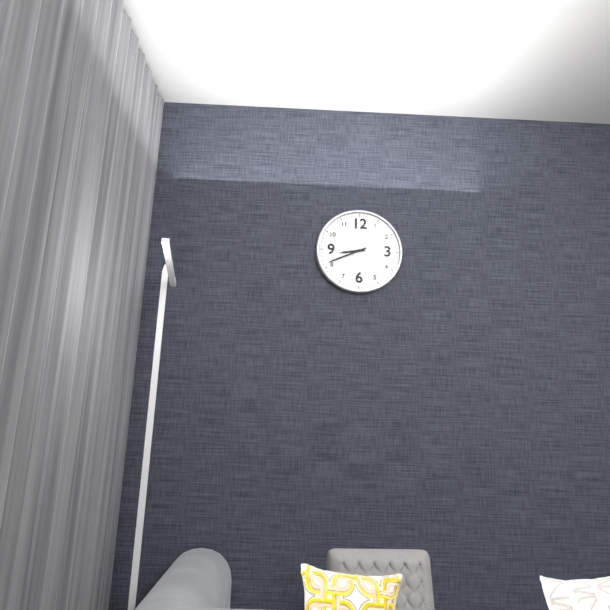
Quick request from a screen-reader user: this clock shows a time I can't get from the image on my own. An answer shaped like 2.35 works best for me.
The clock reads 8.41
